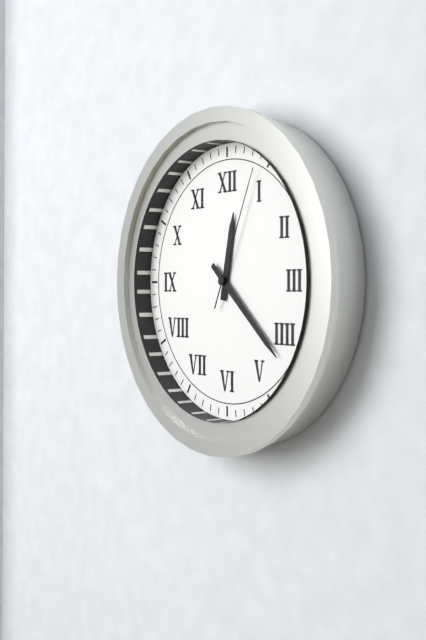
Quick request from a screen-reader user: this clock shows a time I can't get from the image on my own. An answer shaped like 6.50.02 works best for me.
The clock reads 12.22.04
